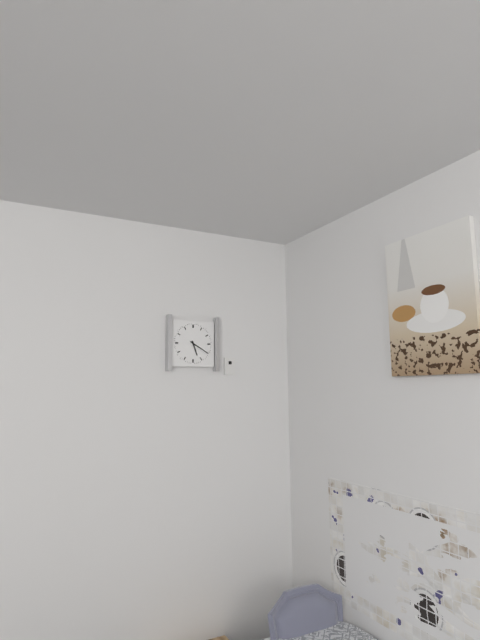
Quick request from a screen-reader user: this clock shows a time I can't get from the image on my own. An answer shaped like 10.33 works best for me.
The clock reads 5.20
